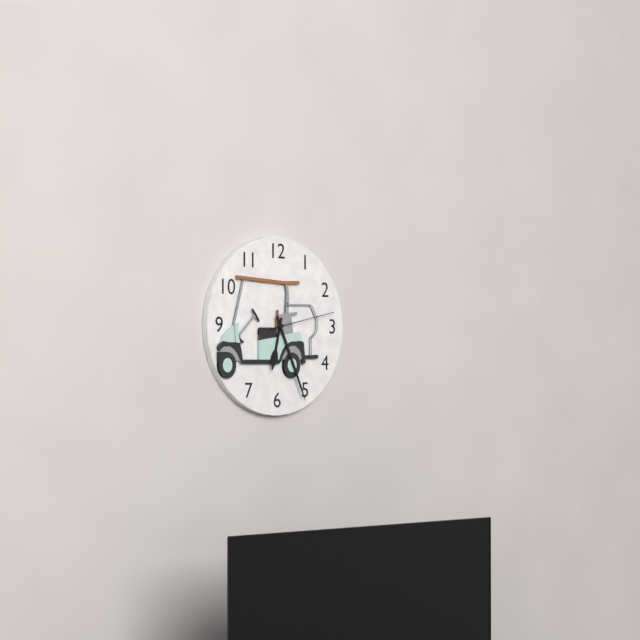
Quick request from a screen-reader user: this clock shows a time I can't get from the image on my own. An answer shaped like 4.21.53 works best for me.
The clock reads 6.26.13
